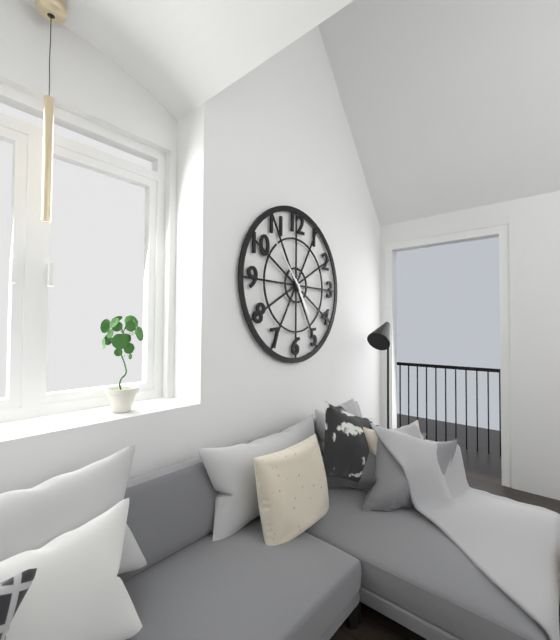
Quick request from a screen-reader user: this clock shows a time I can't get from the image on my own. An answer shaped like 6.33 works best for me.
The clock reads 4.53
